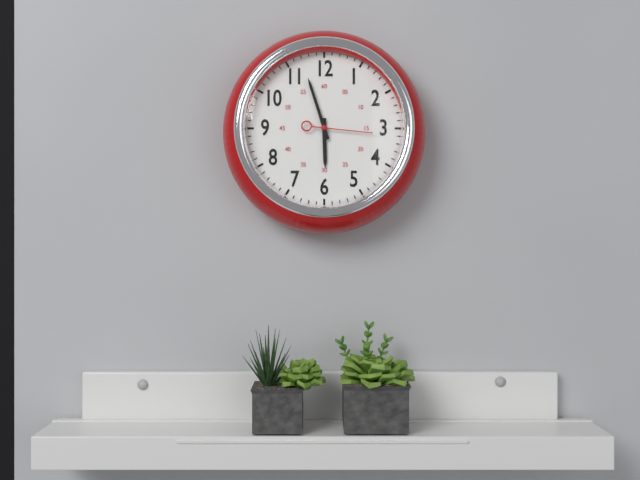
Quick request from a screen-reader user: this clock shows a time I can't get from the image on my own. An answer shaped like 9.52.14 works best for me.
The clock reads 5.57.16
